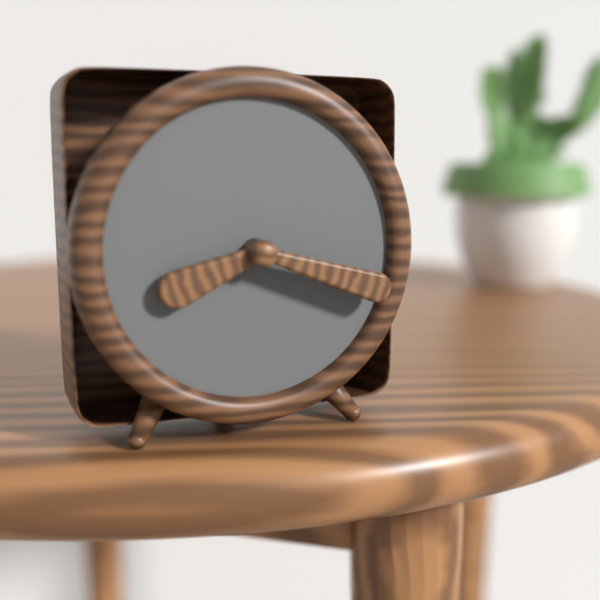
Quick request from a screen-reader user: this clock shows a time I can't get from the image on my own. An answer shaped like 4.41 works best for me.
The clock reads 8.18
